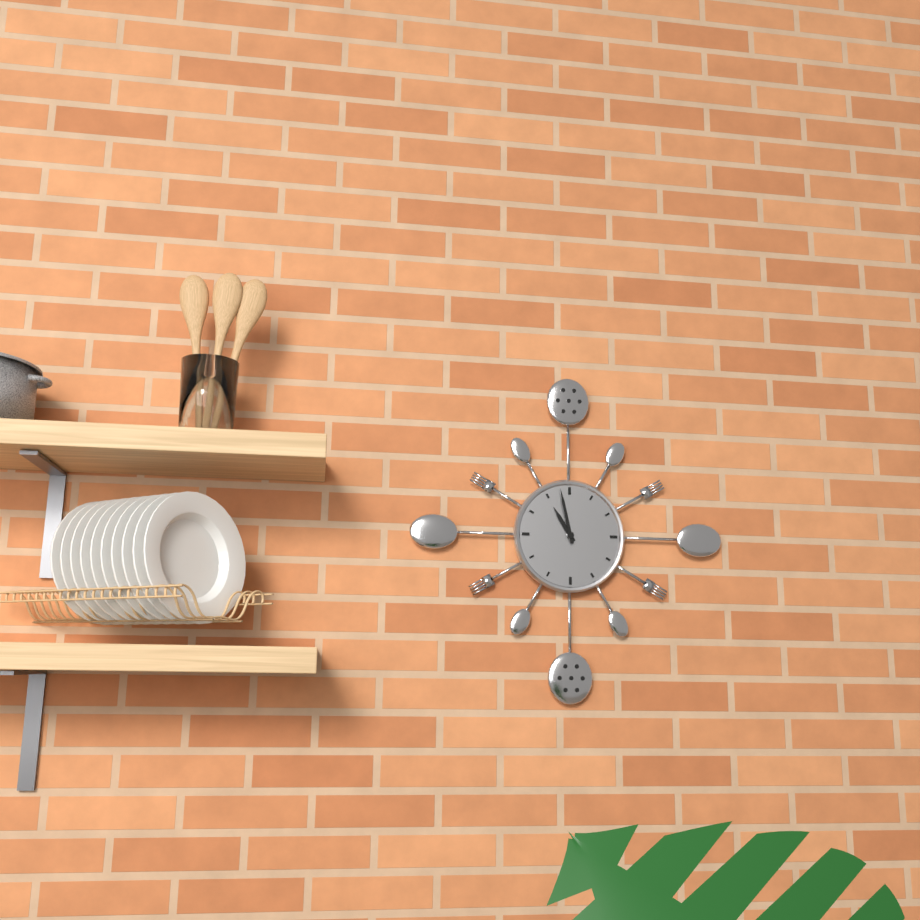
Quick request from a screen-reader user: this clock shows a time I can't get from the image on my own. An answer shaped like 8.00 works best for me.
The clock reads 10.58
